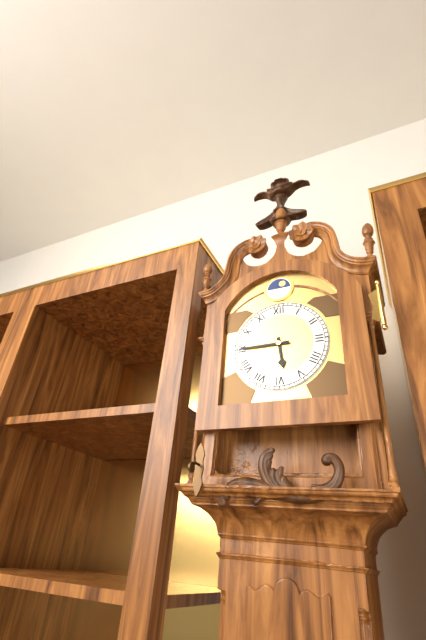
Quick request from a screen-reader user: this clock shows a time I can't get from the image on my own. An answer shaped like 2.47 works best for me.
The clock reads 5.45
